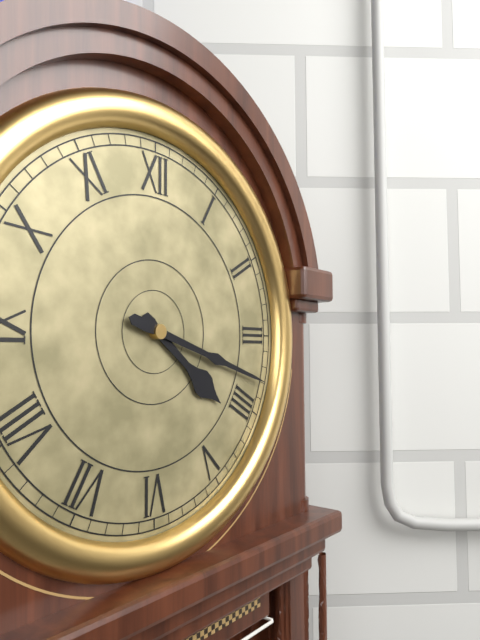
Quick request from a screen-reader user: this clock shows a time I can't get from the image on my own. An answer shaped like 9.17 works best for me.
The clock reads 4.18
